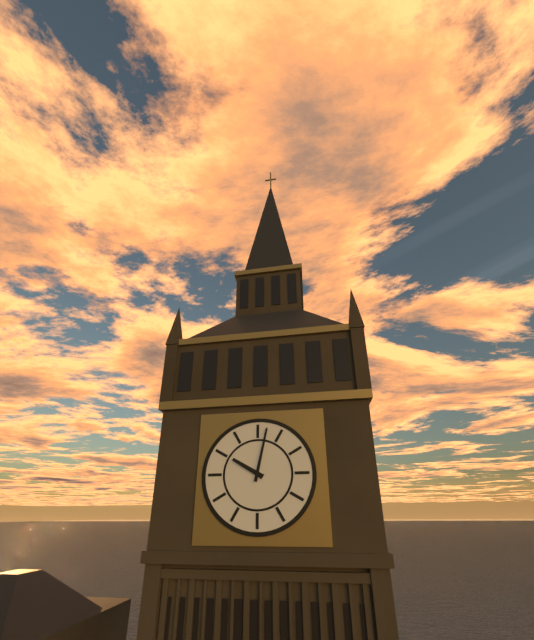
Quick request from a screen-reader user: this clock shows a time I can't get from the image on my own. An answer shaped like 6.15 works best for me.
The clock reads 10.02
